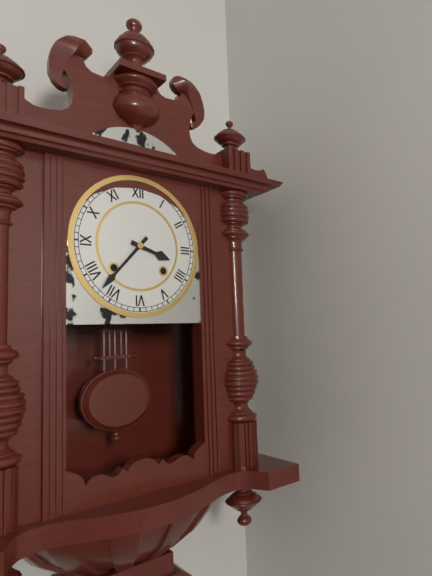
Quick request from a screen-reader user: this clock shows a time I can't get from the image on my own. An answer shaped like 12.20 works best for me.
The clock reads 3.37
